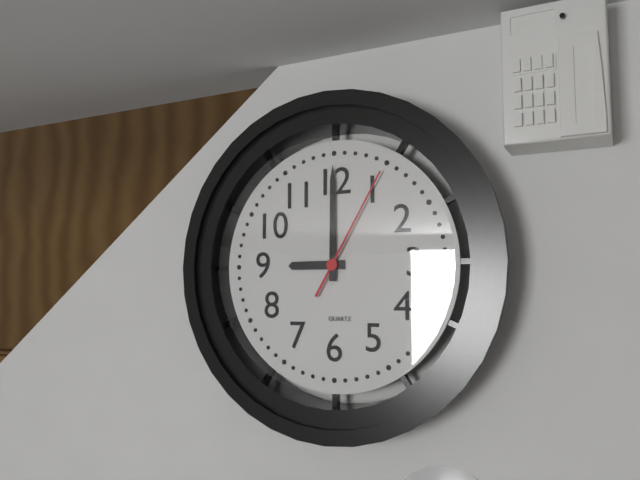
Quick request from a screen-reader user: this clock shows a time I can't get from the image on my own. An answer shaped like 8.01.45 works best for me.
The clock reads 9.00.05
